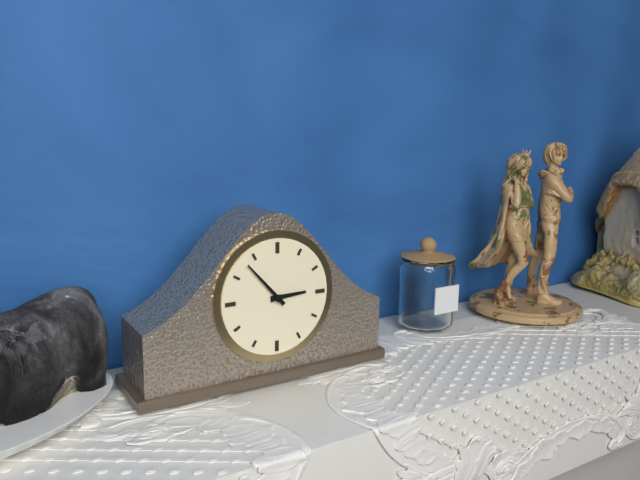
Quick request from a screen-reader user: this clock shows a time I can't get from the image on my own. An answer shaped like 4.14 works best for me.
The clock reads 2.53
